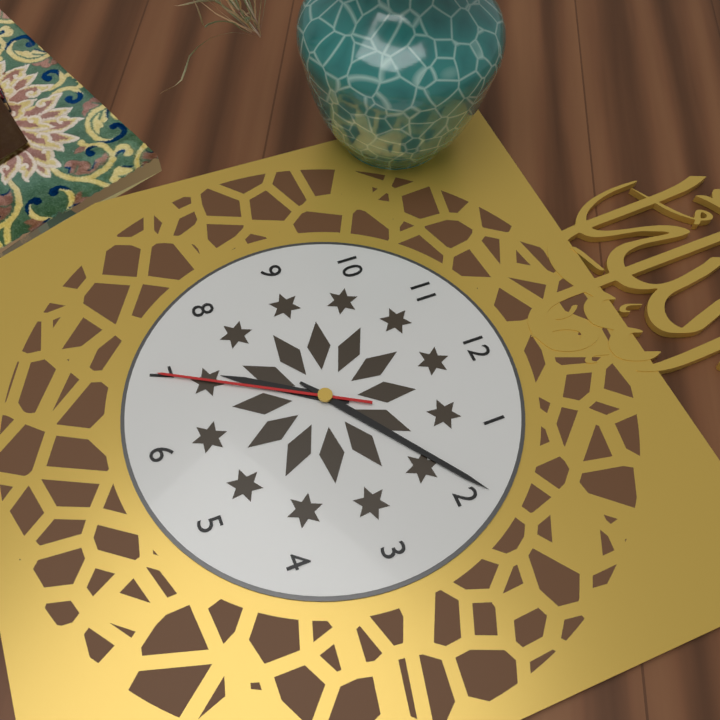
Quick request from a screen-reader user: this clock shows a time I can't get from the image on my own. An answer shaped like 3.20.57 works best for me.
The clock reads 7.09.35
